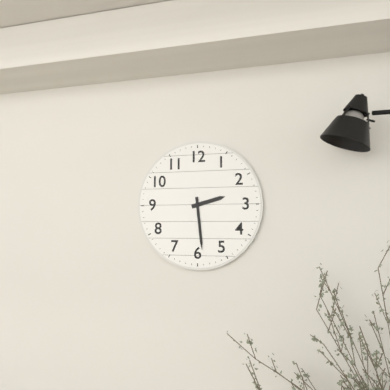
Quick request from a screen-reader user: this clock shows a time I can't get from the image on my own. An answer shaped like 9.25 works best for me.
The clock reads 2.29
